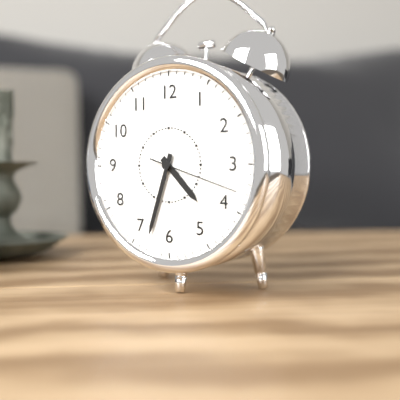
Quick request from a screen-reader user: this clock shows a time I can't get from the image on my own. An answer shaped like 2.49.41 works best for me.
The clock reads 4.33.18
